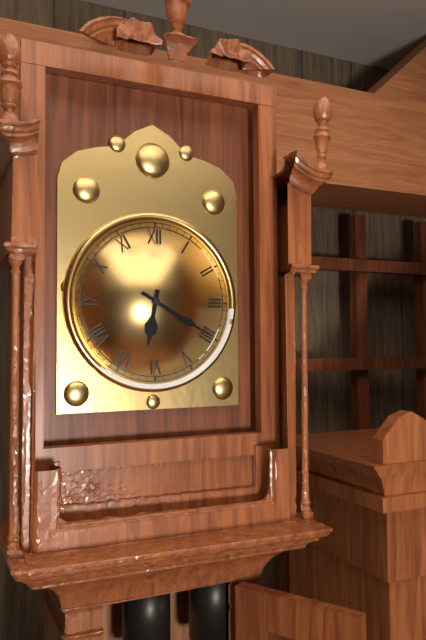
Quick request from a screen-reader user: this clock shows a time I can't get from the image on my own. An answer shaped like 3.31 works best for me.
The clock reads 6.20
